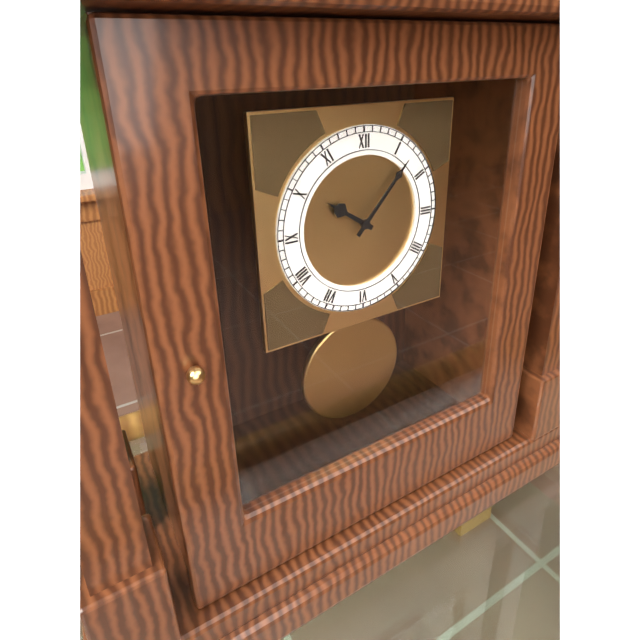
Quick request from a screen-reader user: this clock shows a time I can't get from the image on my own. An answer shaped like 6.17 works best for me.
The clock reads 10.07
